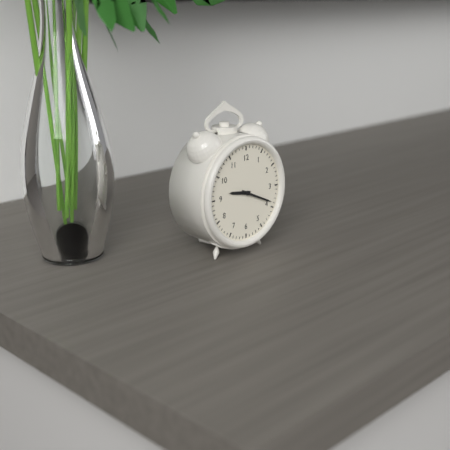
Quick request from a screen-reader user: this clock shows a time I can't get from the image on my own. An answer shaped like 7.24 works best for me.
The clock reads 9.19
